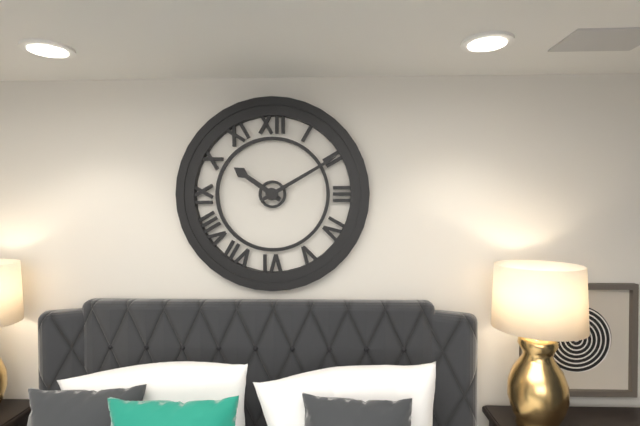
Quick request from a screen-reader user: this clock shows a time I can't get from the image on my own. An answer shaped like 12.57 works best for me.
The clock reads 10.10
